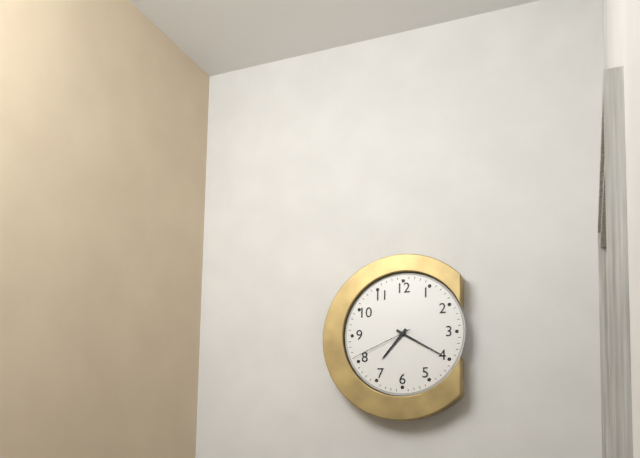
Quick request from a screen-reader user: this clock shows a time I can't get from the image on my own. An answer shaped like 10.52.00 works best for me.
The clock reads 7.20.41
